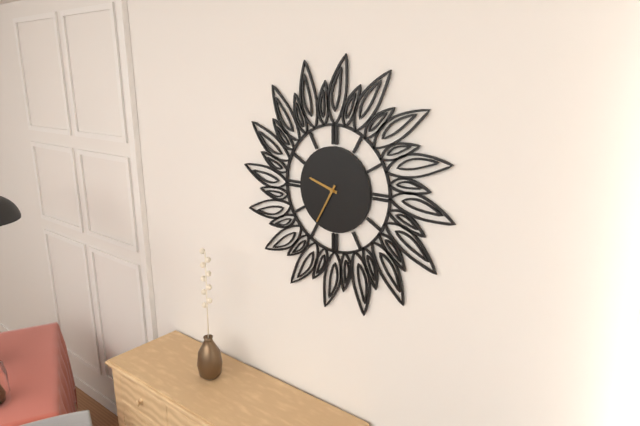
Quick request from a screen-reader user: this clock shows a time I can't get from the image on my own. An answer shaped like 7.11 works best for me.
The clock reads 9.35
